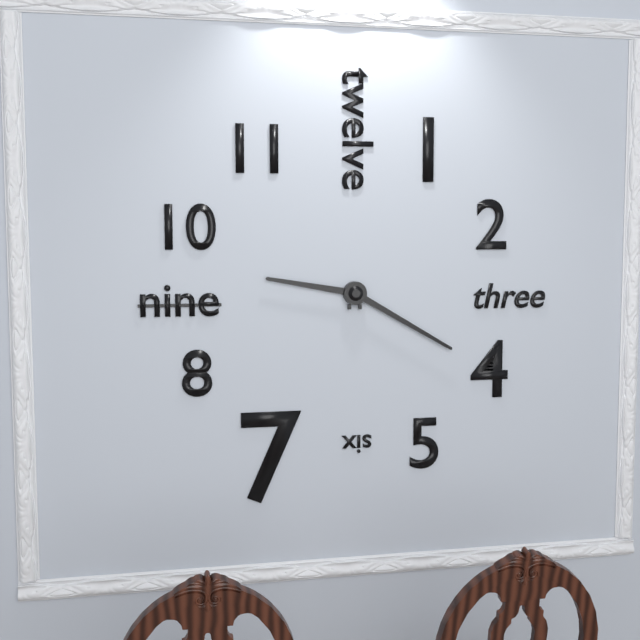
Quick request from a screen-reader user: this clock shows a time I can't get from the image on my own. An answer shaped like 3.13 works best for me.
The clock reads 9.20
